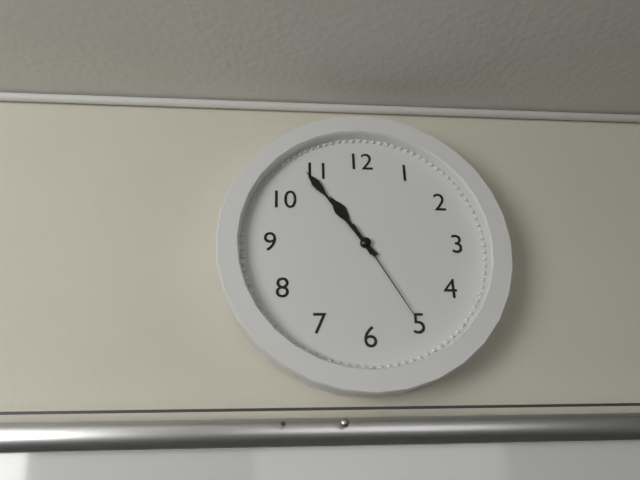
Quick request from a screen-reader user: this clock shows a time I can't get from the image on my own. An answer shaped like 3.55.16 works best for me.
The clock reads 10.54.25
